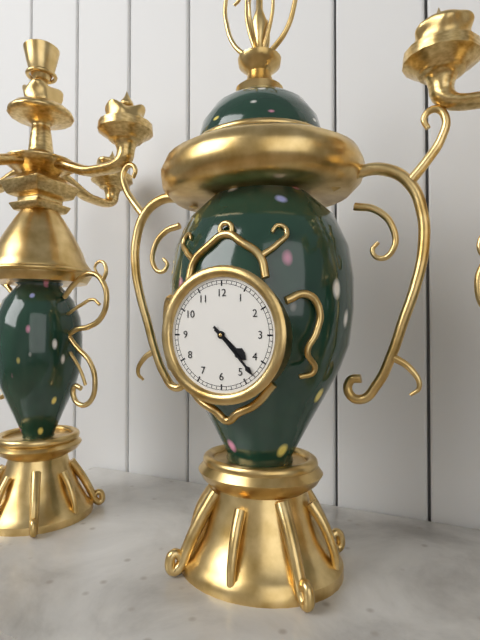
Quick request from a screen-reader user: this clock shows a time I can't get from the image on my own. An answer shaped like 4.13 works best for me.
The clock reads 4.23
